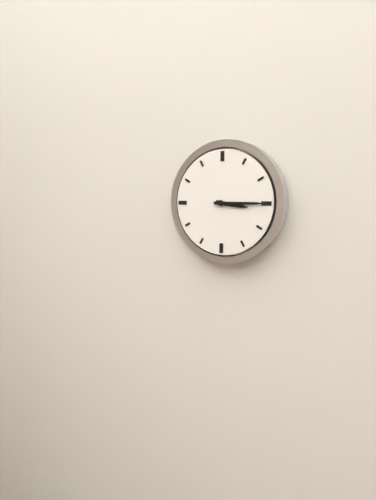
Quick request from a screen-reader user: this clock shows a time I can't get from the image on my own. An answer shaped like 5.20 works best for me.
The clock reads 3.15
